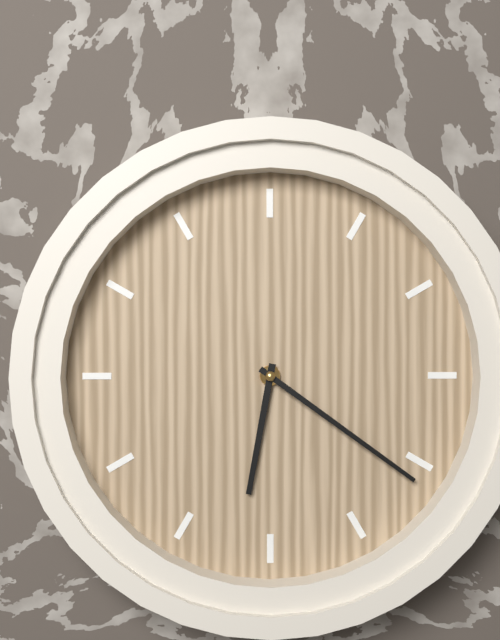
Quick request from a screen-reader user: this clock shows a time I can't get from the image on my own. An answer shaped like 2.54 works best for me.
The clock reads 6.21
